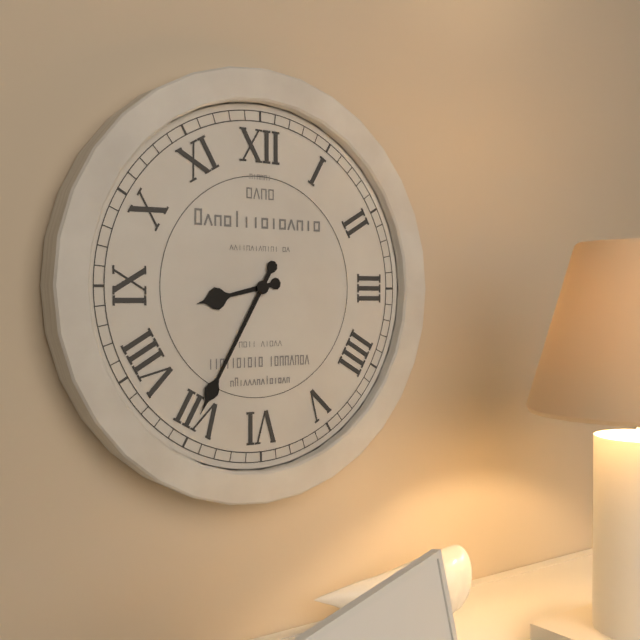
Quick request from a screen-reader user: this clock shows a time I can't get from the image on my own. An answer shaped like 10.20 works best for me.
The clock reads 8.35
